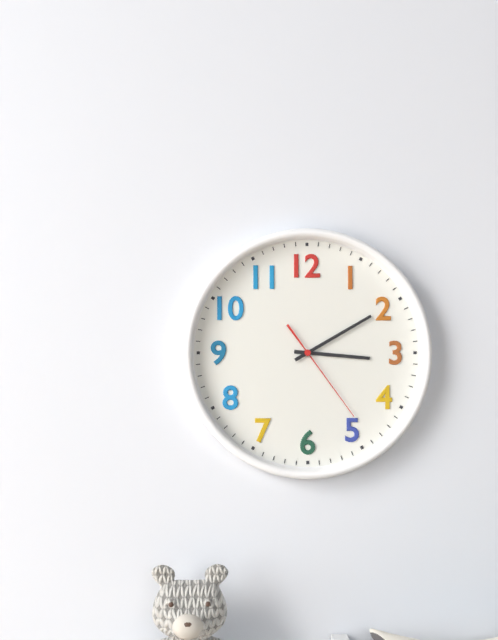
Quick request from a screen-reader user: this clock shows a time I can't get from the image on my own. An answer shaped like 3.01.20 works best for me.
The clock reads 3.10.24
